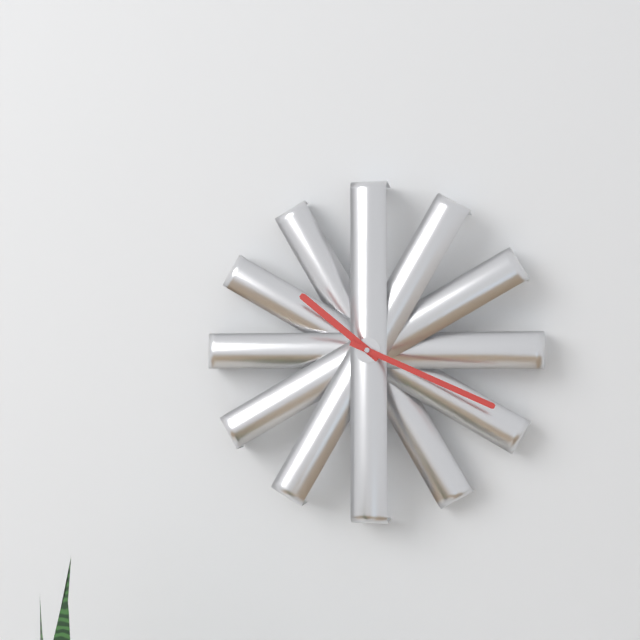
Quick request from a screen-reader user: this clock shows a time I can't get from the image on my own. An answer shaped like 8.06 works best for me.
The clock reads 10.19
